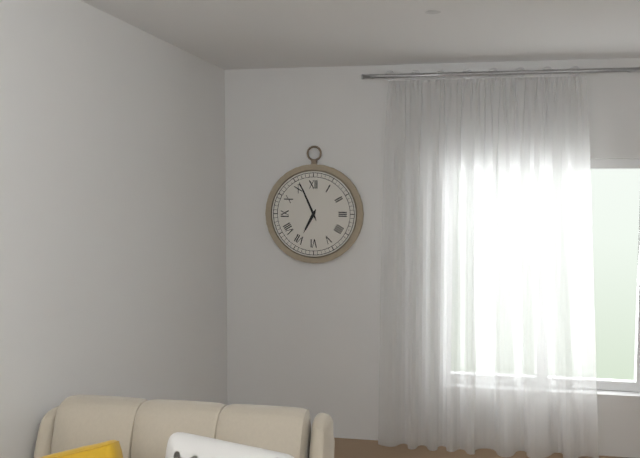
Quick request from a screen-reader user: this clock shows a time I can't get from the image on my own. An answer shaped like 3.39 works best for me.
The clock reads 6.56
